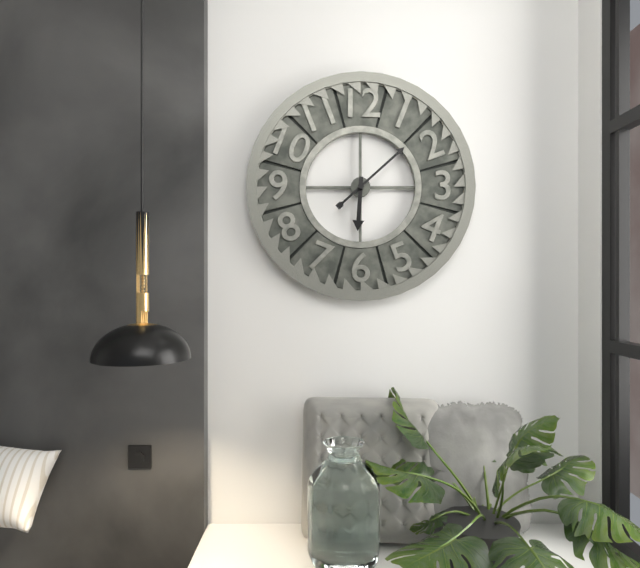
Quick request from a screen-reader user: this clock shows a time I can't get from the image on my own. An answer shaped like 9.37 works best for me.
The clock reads 6.08
